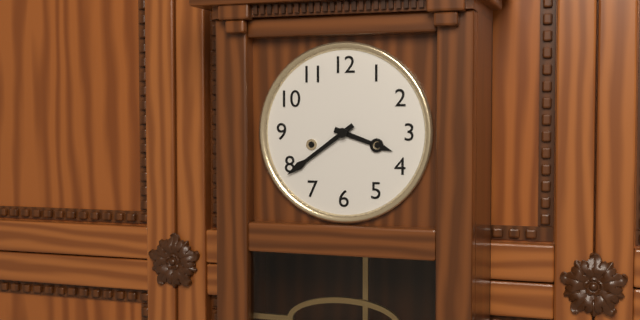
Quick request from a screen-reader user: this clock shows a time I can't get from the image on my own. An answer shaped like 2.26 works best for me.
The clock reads 3.39
